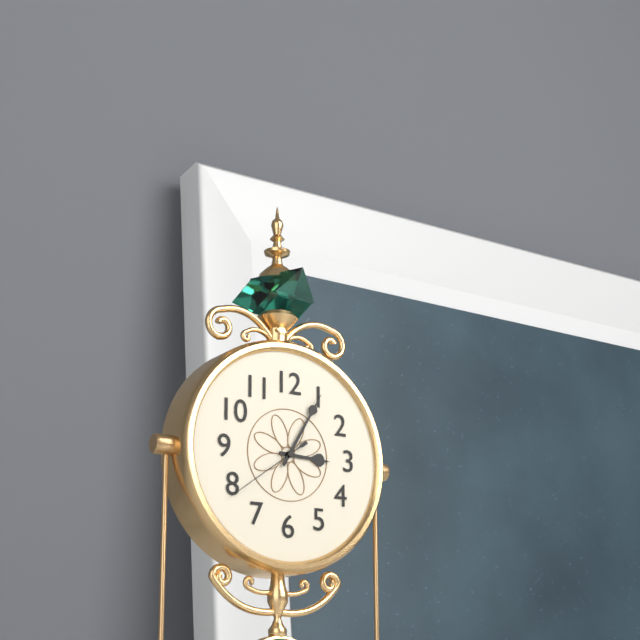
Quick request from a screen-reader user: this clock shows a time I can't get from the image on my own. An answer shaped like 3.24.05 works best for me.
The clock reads 3.05.39
